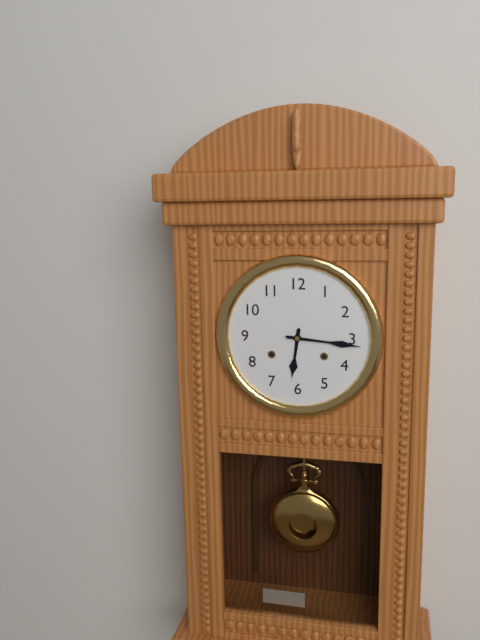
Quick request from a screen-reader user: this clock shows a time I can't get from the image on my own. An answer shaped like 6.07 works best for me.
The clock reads 6.16
